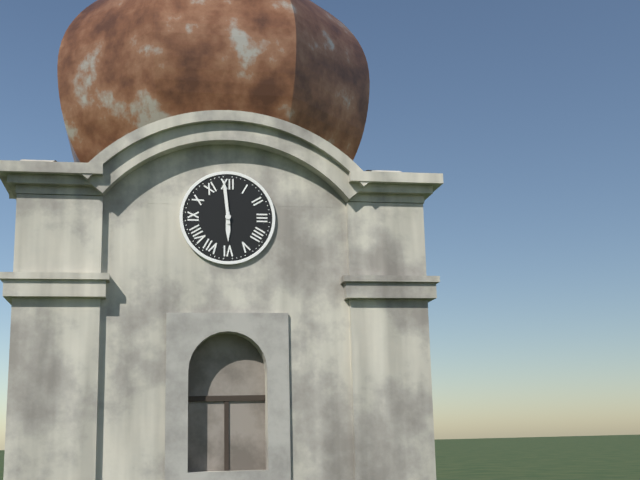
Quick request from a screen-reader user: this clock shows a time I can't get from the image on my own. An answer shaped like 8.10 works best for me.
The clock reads 5.59
